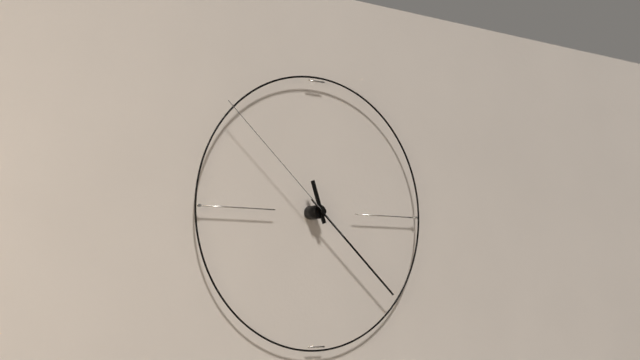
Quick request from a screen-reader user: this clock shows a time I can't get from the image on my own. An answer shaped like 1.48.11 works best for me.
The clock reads 11.22.52
